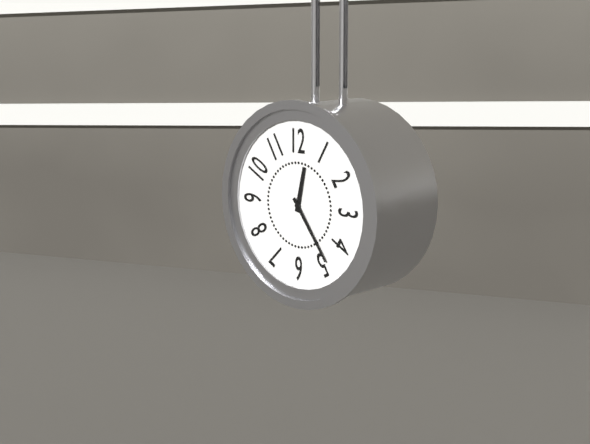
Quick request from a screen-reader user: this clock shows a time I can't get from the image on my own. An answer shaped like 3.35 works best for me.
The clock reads 12.24
